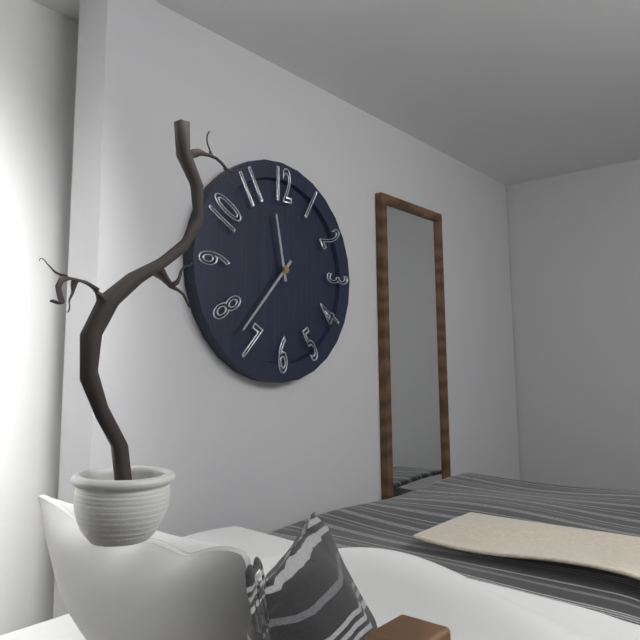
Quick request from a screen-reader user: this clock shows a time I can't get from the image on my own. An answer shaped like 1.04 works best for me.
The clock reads 11.37
